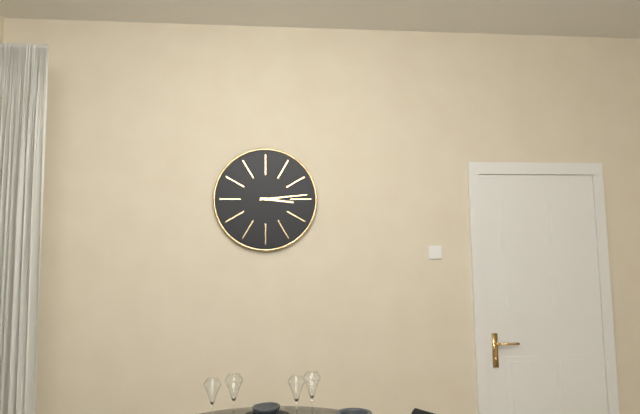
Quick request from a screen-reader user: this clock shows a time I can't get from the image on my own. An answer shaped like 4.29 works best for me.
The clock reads 3.14
